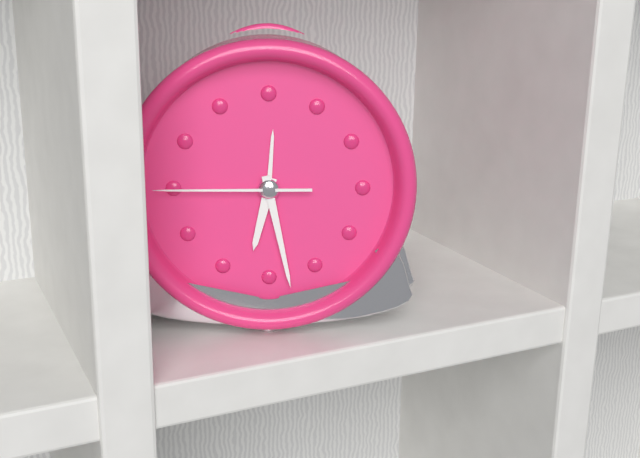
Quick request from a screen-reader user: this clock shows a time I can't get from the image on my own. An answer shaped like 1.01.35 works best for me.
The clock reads 6.28.45
